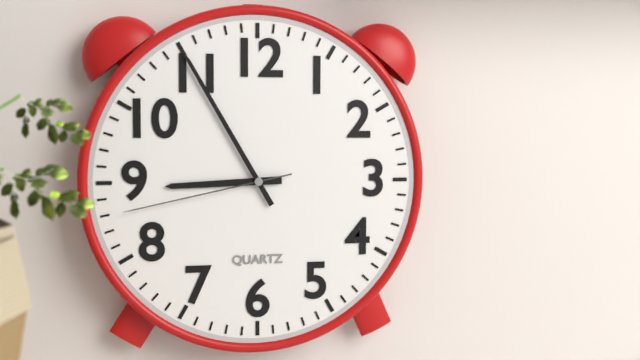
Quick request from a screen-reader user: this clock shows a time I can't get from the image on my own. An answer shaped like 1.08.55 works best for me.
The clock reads 8.55.43
